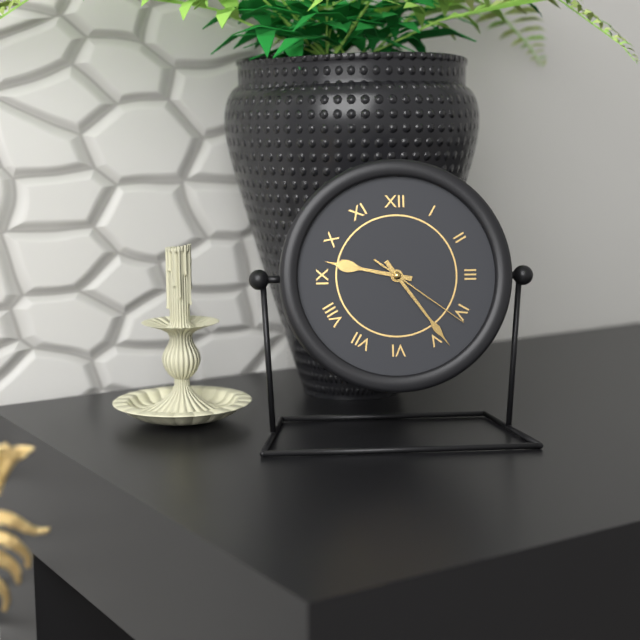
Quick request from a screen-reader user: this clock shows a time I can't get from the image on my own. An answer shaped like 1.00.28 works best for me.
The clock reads 9.24.21
